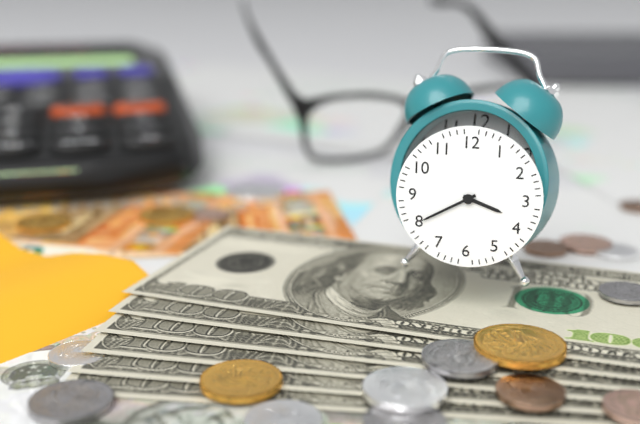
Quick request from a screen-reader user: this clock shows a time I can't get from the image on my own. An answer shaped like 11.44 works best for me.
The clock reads 3.40
